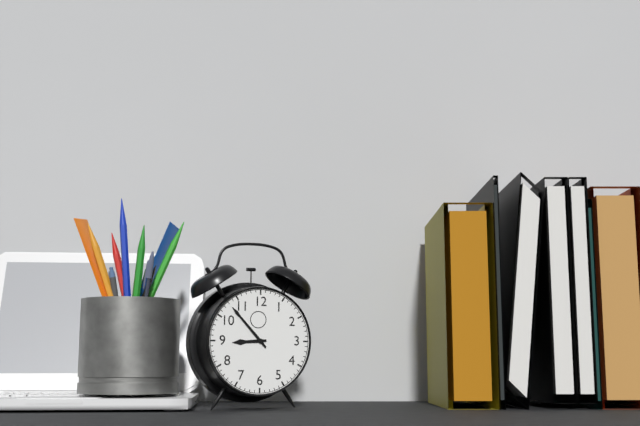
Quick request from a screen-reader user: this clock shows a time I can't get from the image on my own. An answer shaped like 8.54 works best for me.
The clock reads 8.53
